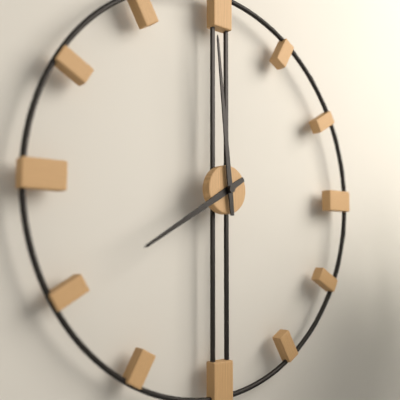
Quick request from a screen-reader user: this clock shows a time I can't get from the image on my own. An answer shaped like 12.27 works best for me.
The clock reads 7.59
